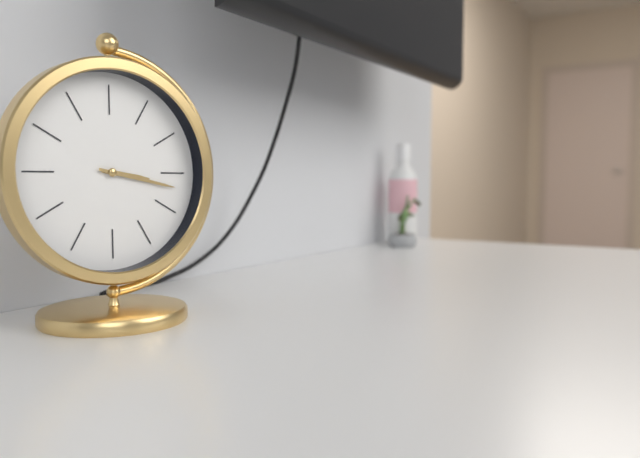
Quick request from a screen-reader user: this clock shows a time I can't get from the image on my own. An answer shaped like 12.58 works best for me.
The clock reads 3.17
